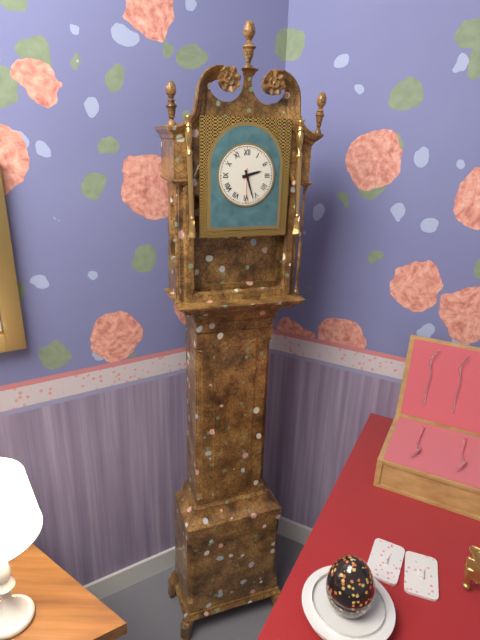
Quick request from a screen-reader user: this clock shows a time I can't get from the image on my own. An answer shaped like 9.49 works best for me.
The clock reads 2.27
